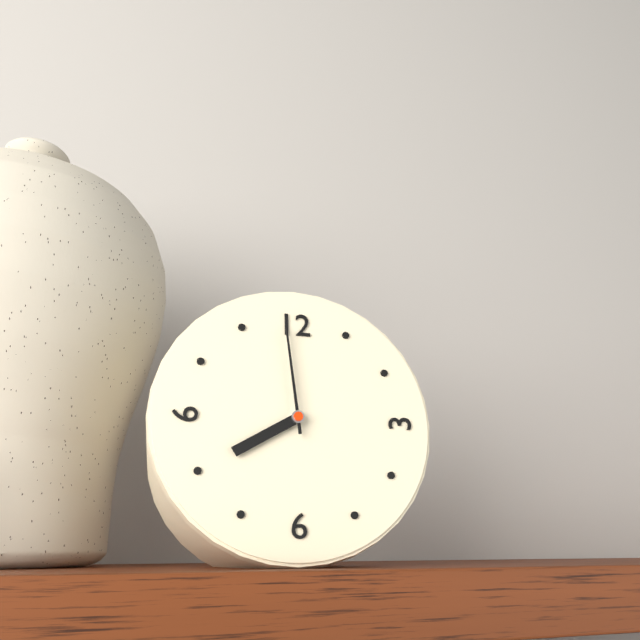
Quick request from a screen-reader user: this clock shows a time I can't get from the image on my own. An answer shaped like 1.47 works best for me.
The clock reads 7.59
